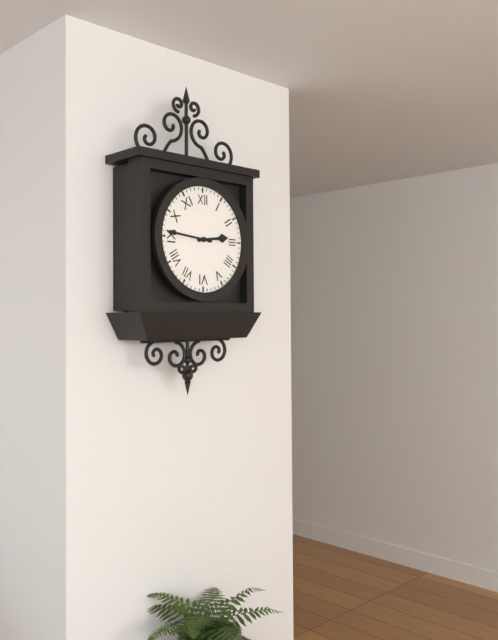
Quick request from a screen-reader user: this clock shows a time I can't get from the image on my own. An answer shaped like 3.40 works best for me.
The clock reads 2.46
